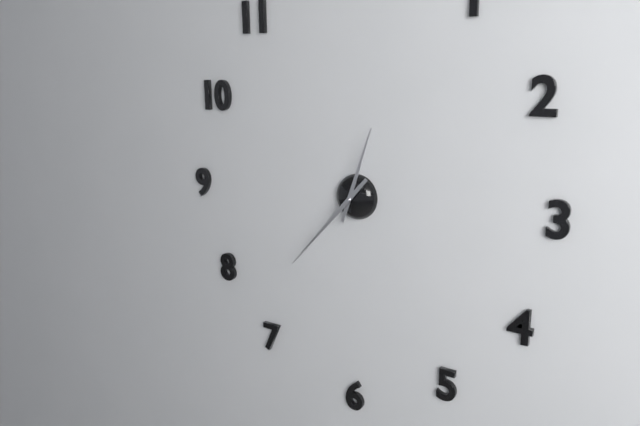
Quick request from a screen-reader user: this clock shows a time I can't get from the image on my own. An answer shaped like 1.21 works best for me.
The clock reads 12.37
